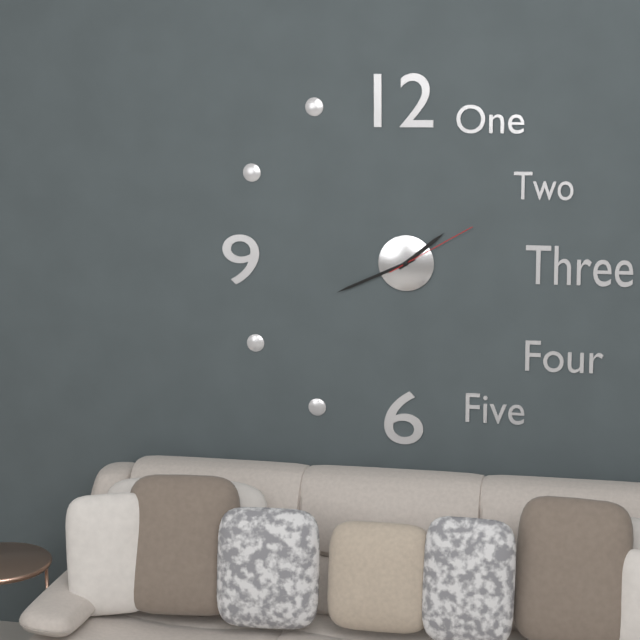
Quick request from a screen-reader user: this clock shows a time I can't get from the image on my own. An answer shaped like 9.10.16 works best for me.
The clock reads 1.41.10
